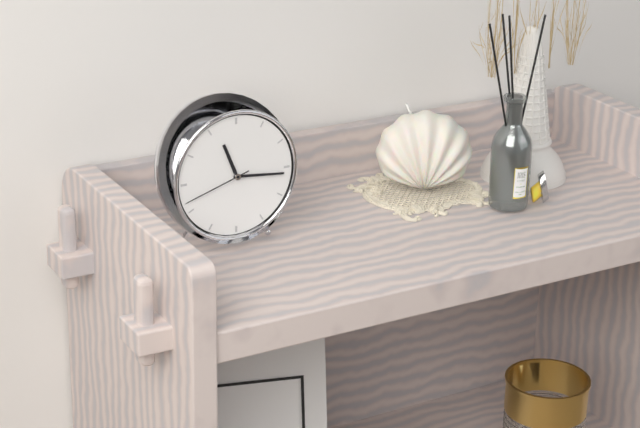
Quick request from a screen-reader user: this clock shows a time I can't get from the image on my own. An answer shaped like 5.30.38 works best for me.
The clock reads 11.16.42
